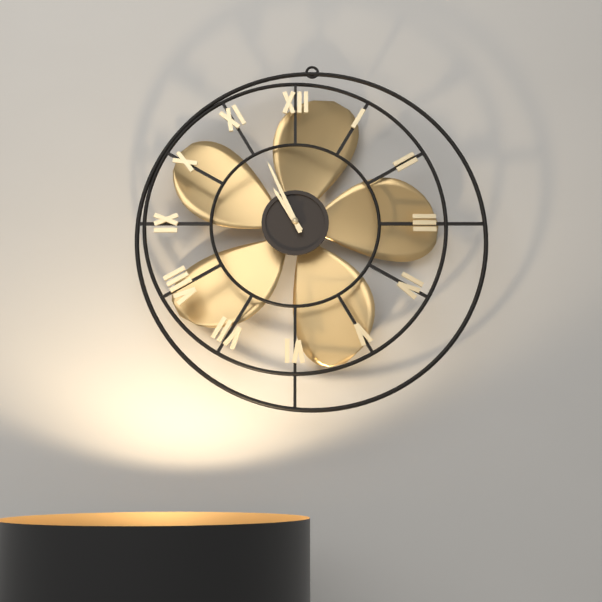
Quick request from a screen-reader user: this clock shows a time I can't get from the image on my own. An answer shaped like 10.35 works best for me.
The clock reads 10.56
